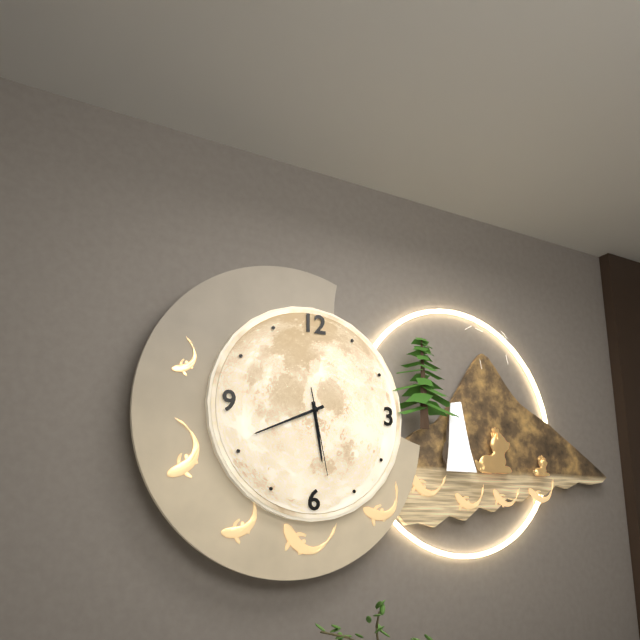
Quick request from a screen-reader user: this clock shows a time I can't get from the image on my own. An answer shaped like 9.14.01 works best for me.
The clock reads 5.41.28
